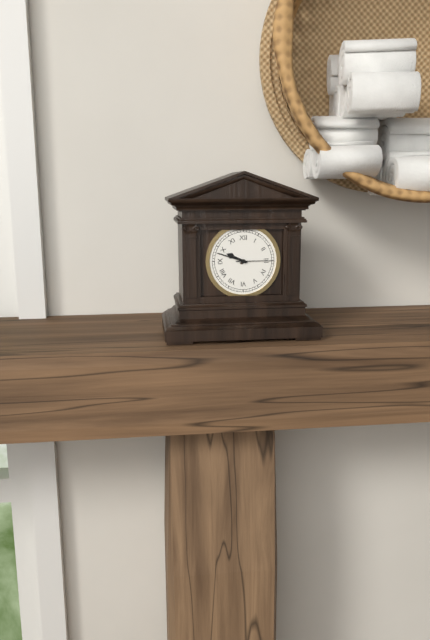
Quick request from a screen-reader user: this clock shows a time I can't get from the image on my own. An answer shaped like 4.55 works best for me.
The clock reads 9.48
